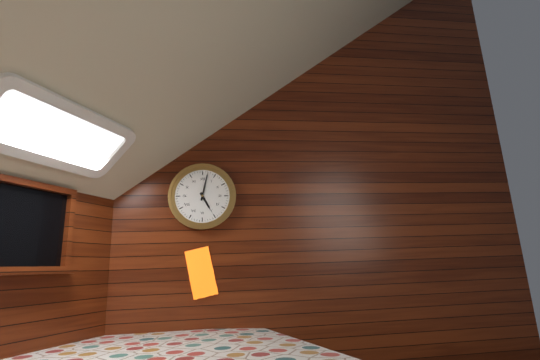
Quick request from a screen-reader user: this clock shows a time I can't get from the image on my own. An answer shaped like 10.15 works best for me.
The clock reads 5.02
